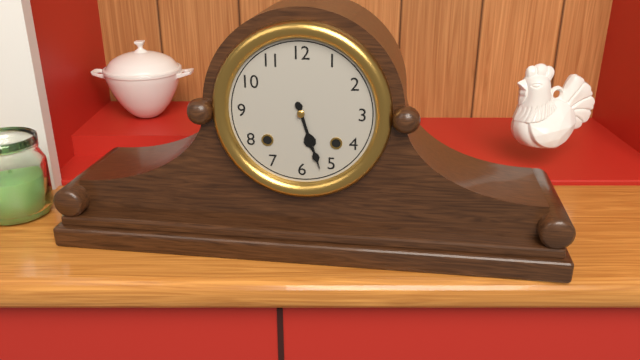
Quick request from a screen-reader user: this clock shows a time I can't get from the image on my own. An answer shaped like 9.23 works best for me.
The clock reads 5.27
